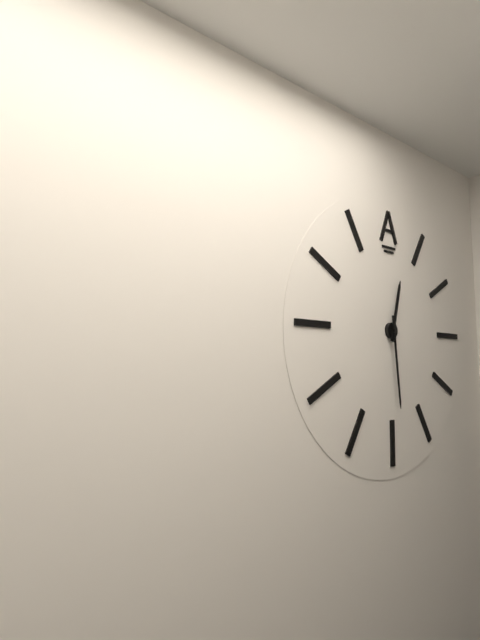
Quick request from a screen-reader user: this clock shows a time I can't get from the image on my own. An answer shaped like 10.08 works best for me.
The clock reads 12.29
